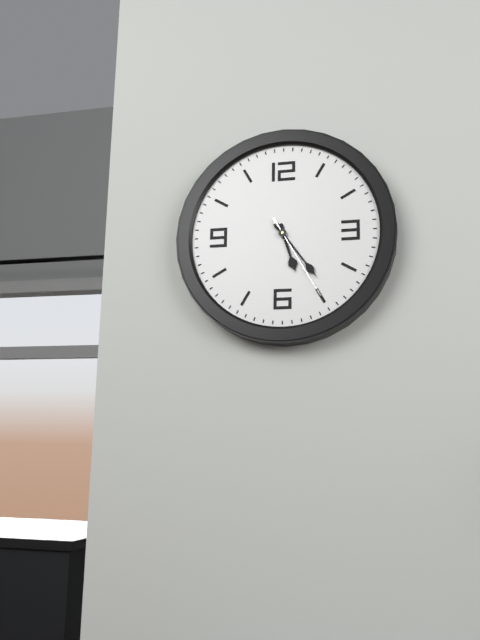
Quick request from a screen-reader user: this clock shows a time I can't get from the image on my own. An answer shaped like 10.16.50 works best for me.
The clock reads 5.24.25
